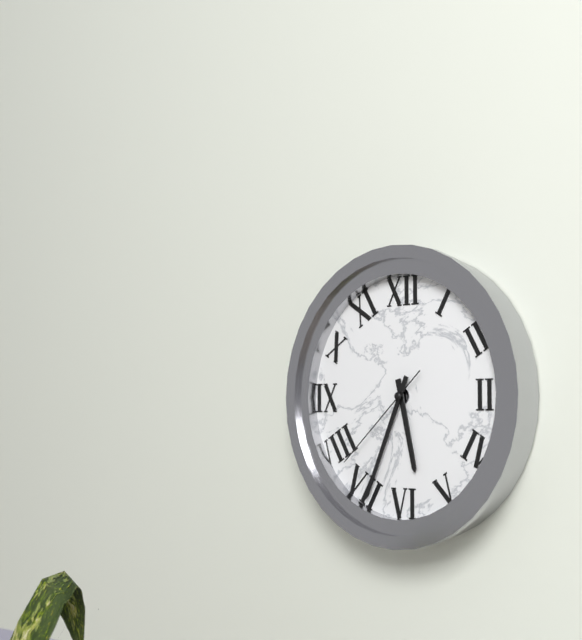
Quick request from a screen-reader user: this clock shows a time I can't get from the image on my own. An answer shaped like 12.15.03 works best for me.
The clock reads 5.34.38
